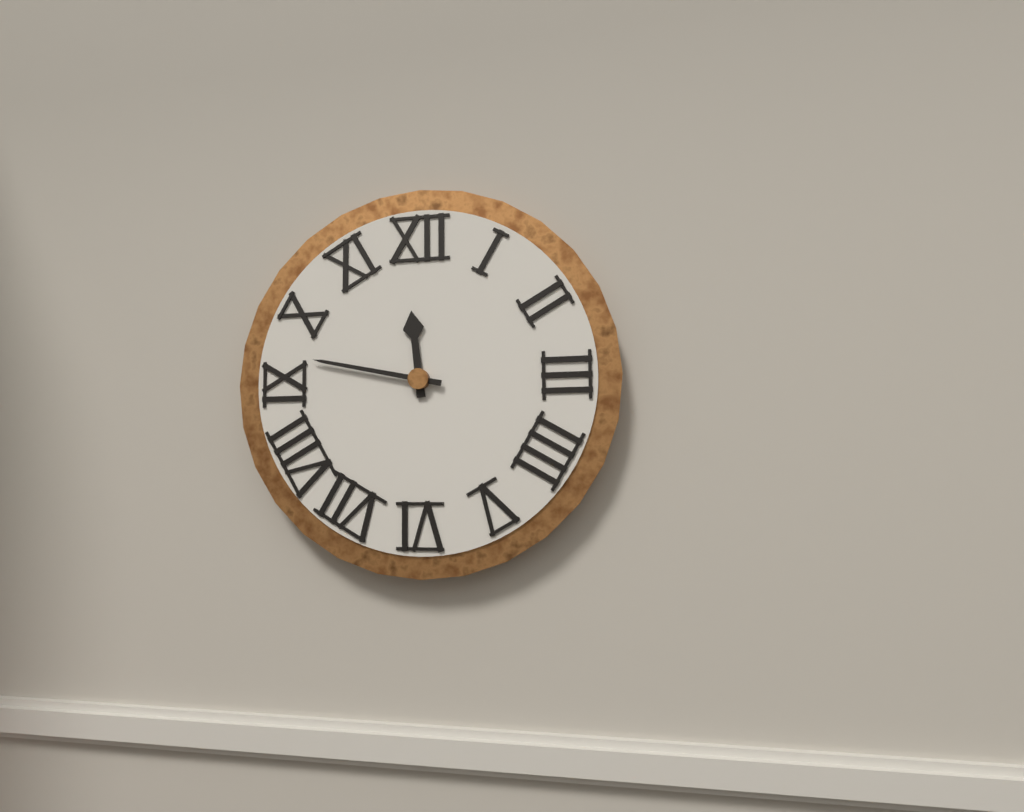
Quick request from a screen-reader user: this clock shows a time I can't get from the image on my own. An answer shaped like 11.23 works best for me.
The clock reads 11.47
